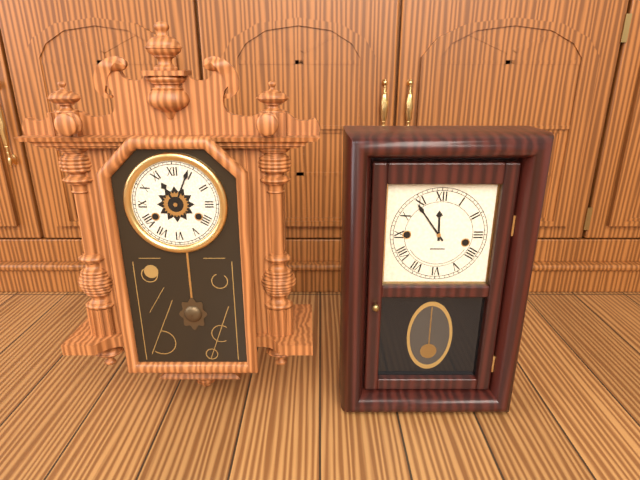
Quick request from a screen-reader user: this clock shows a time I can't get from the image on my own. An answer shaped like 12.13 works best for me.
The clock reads 11.04
